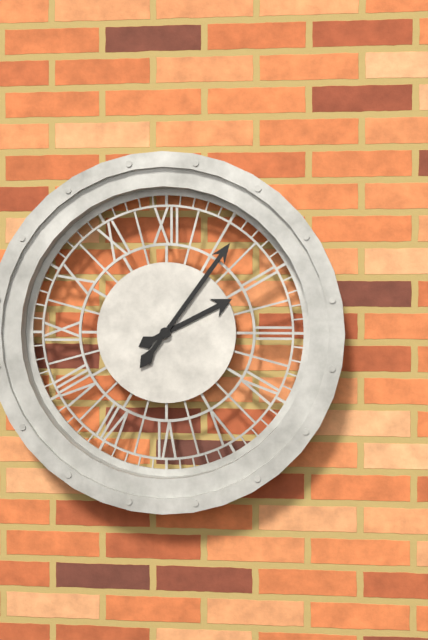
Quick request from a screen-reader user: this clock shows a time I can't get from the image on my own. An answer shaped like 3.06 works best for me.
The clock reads 2.06
